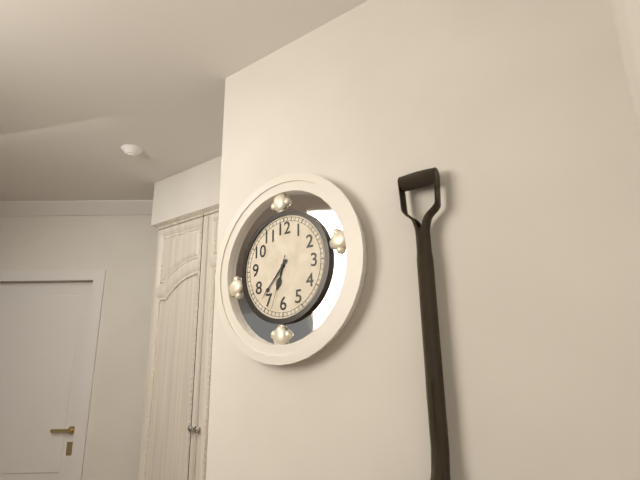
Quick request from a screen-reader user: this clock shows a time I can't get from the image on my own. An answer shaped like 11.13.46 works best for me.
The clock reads 6.37.33
